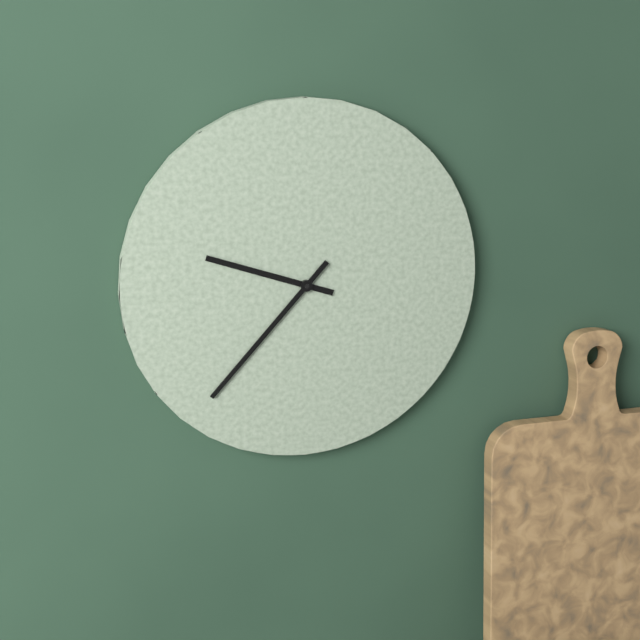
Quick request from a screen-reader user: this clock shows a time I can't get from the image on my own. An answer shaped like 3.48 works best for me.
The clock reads 9.37
